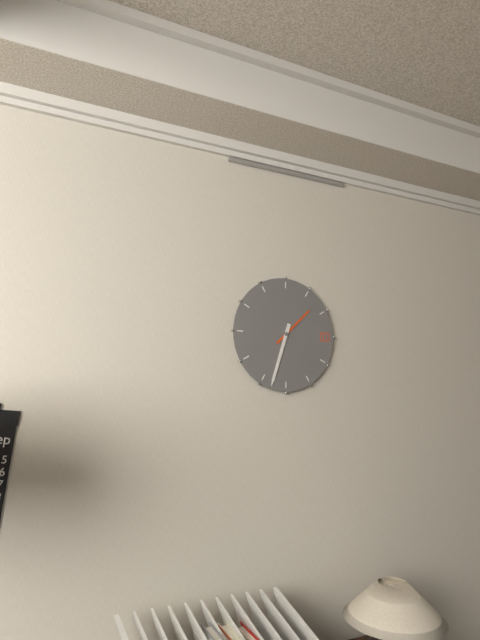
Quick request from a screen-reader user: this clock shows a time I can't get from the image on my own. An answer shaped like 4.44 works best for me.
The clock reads 1.33
